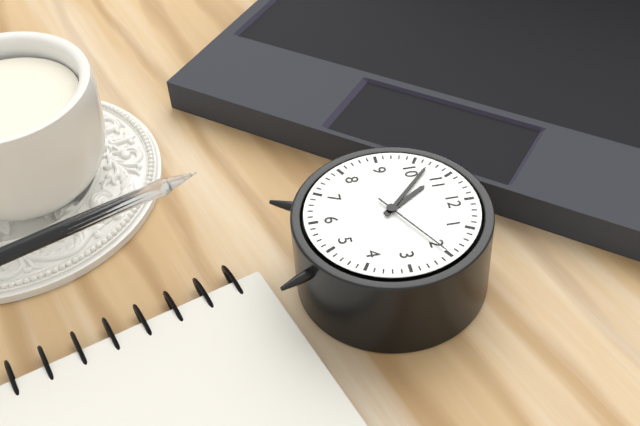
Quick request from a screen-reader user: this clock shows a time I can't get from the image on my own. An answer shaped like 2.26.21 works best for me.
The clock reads 10.52.10
